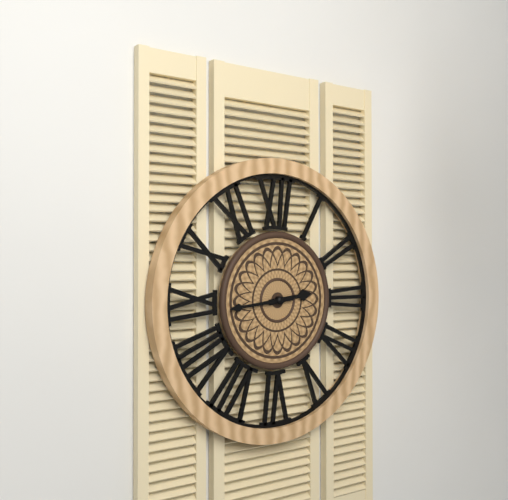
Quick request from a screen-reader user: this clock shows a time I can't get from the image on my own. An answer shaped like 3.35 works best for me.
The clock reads 2.44
